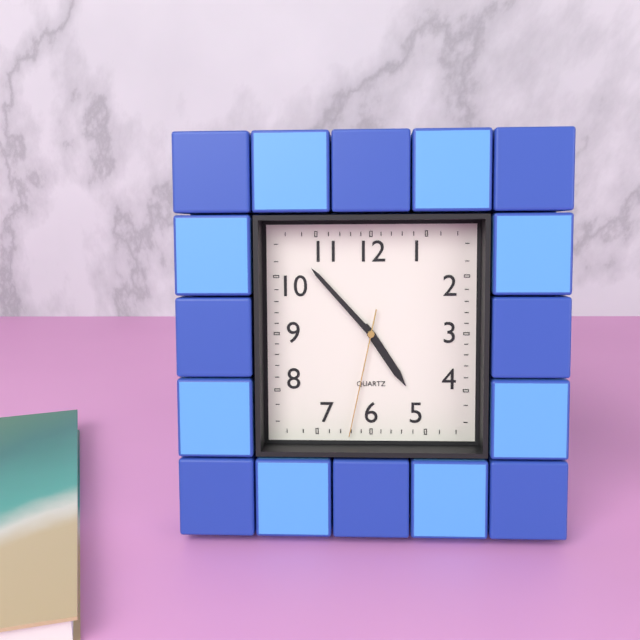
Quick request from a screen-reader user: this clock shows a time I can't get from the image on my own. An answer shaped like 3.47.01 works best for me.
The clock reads 4.53.32
